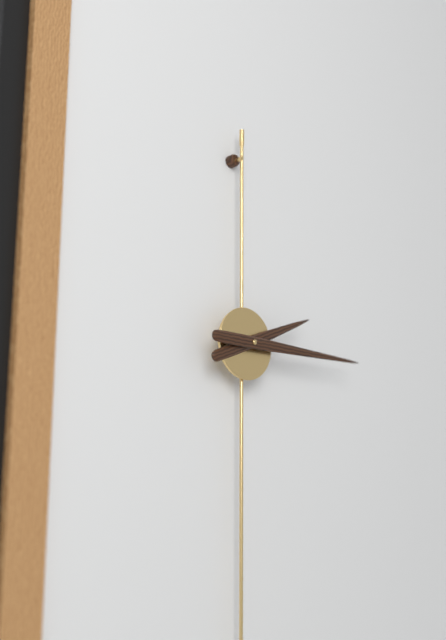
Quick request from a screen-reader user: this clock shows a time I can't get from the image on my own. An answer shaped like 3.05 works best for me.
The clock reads 2.15
